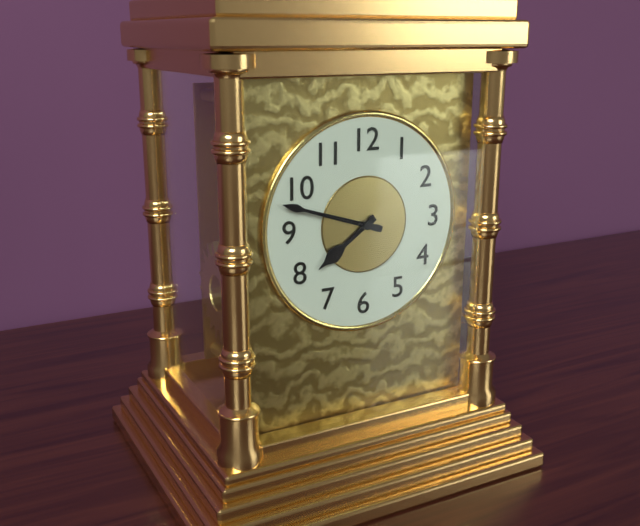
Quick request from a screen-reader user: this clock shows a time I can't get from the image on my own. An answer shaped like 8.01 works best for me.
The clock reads 7.48
